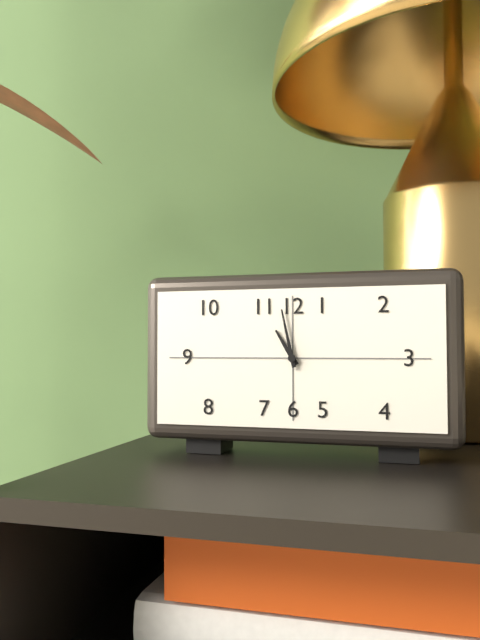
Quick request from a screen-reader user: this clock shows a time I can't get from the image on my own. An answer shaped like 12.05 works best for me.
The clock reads 10.58
